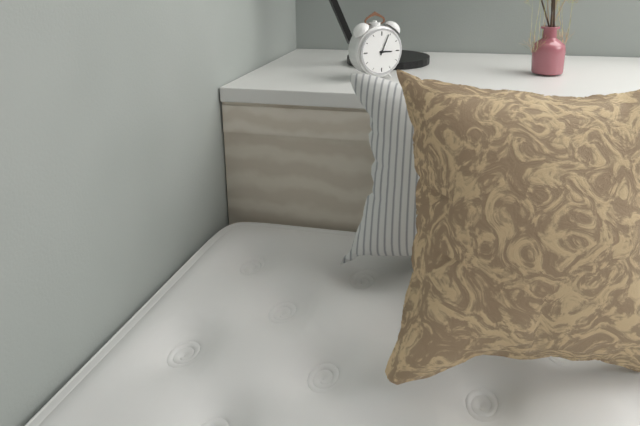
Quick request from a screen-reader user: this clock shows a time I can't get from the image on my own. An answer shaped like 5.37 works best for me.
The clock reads 3.04
